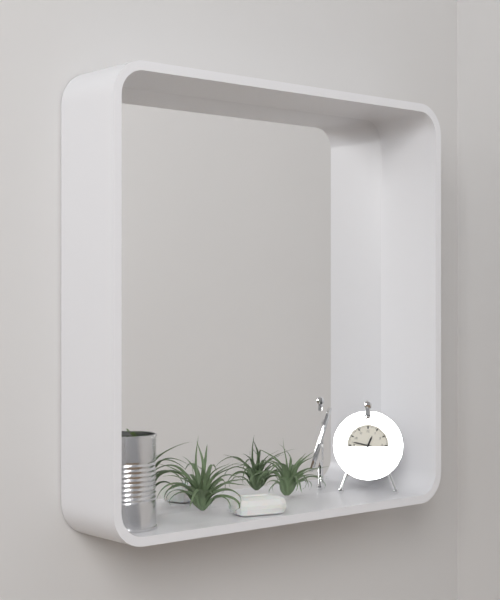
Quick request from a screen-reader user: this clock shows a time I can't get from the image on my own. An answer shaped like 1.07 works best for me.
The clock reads 12.47
